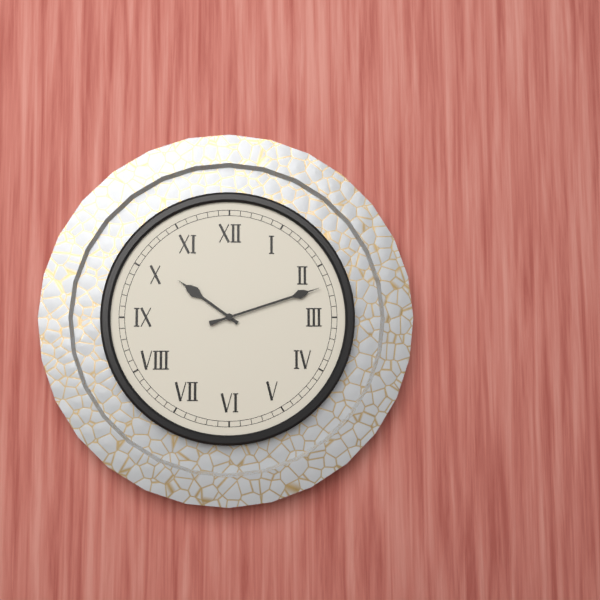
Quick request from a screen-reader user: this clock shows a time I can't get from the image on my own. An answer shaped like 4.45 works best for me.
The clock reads 10.12
